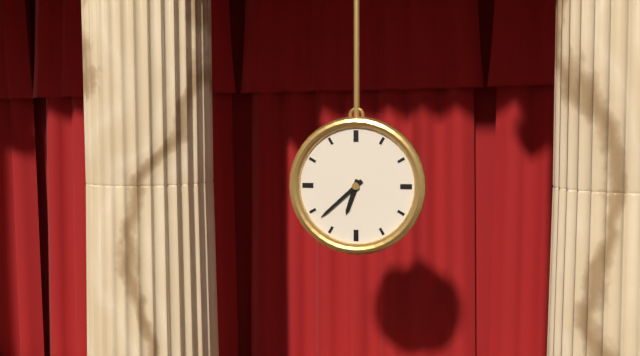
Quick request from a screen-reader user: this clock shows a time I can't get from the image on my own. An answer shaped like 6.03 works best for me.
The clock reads 6.38
